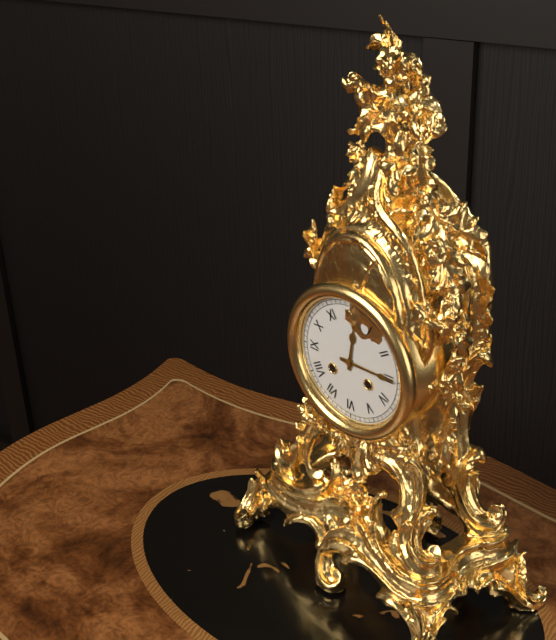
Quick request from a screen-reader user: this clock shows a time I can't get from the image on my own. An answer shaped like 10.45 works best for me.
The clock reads 12.15
